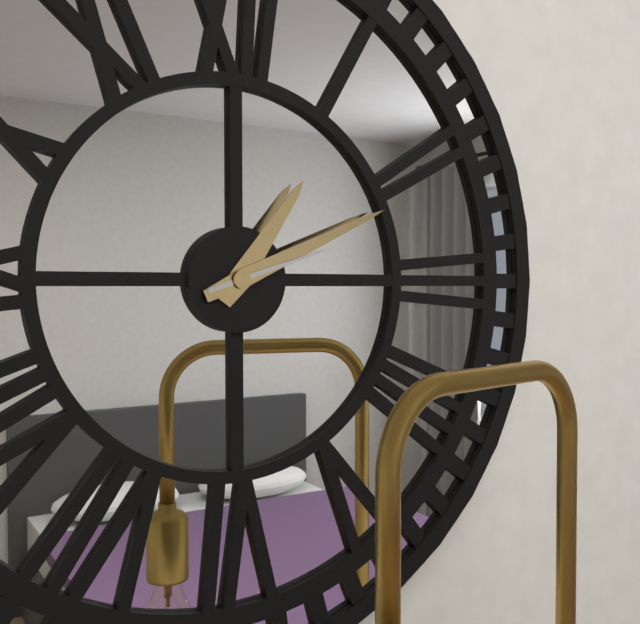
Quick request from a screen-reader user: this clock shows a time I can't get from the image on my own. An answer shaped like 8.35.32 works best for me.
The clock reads 1.11.12
